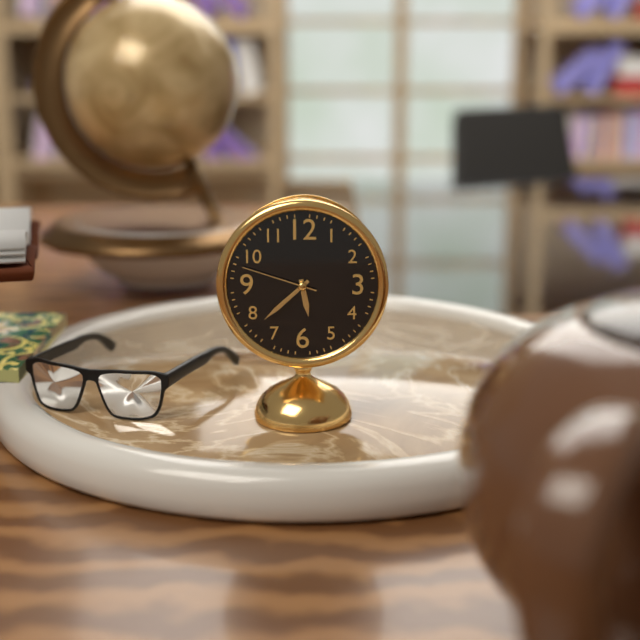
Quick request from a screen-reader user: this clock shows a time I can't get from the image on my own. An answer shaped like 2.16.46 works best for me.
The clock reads 5.38.48
